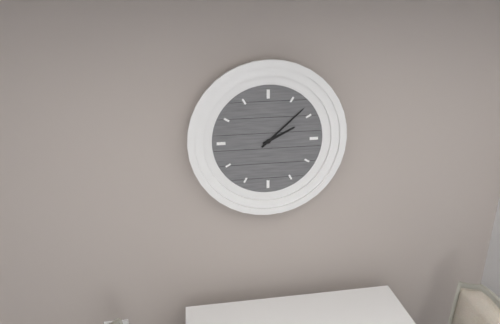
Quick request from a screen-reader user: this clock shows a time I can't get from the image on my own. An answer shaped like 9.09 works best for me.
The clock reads 2.08
